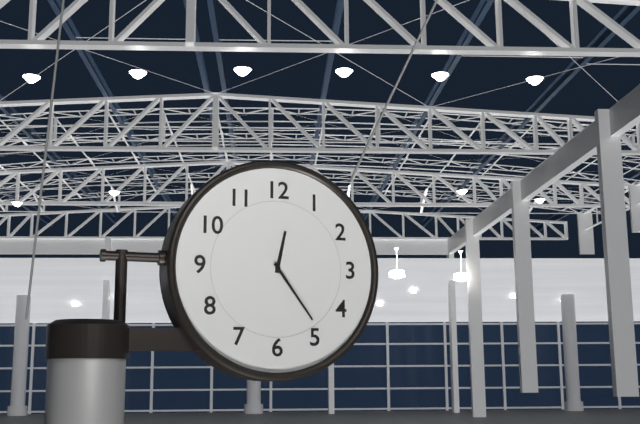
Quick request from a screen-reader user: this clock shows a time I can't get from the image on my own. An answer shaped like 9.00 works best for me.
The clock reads 12.24
